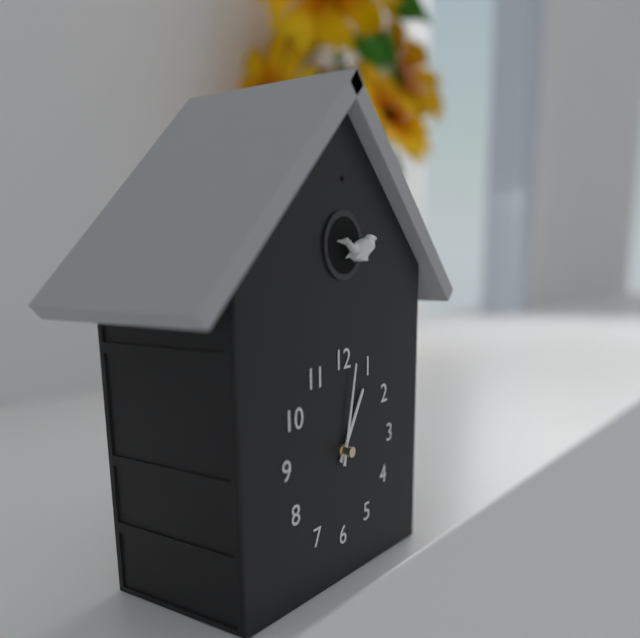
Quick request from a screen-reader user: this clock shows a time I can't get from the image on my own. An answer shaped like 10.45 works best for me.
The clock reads 1.02
